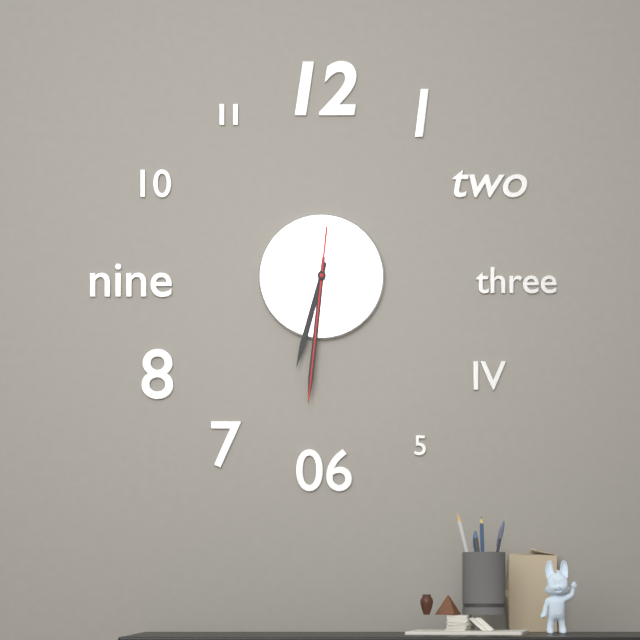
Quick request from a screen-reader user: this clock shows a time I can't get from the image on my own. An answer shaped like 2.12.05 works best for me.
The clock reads 6.31.31
